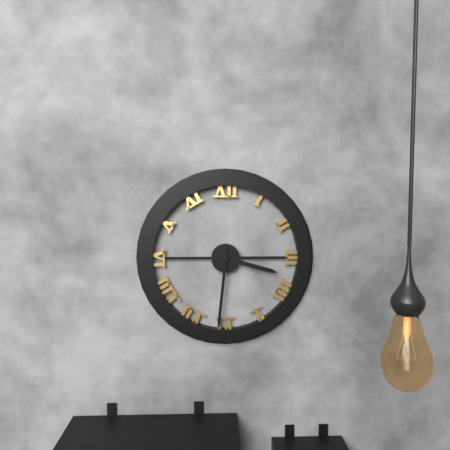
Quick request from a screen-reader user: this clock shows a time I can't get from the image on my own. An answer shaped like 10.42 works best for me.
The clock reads 3.31
